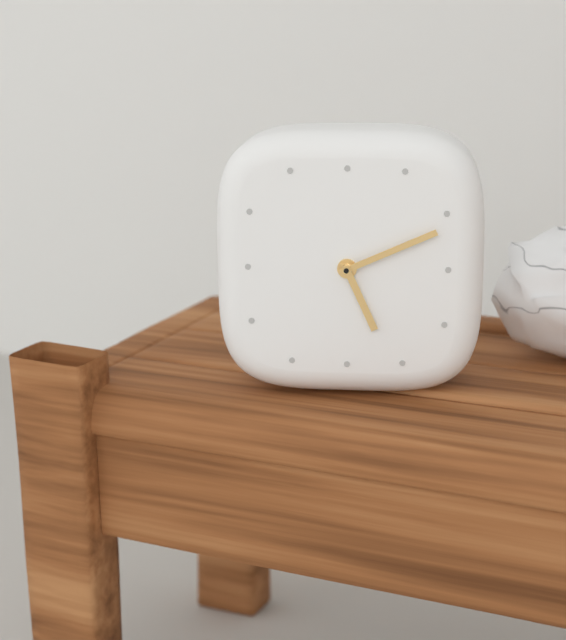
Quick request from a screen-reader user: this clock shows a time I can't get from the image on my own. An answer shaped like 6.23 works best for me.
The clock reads 5.11
